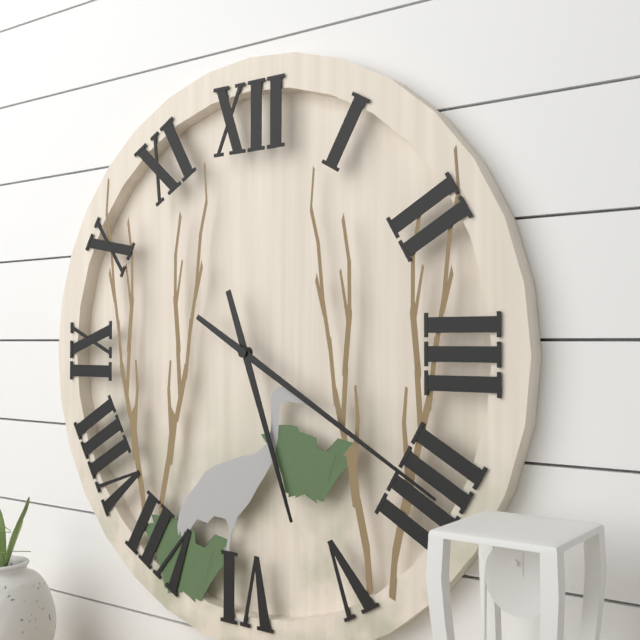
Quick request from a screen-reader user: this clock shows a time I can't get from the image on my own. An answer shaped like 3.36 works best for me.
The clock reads 5.20
